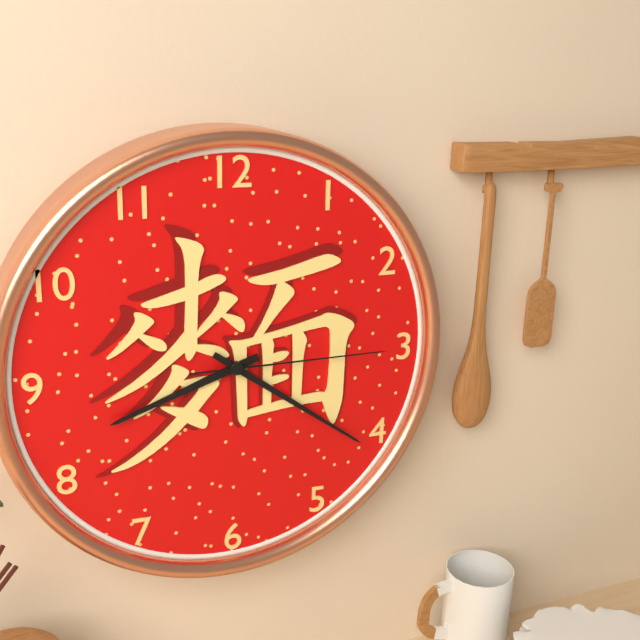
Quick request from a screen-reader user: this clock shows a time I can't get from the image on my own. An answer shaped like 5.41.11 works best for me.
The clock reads 8.21.15
